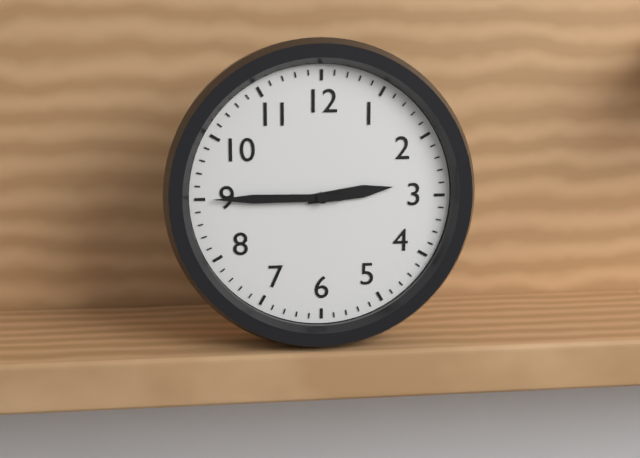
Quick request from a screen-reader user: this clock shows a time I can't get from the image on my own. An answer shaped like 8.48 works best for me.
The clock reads 2.45
